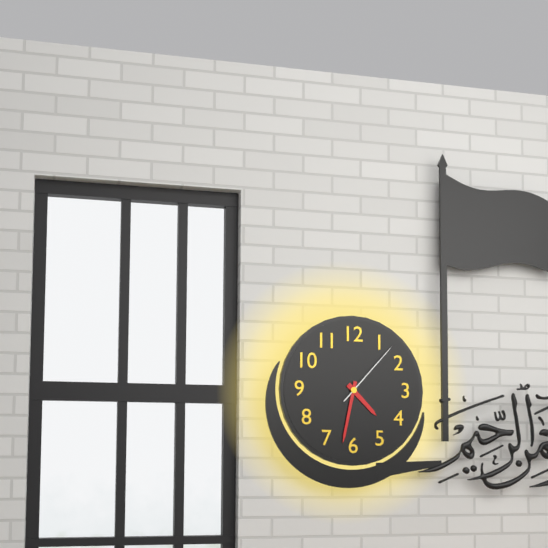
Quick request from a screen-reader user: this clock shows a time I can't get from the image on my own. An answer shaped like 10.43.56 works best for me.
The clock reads 4.32.07
